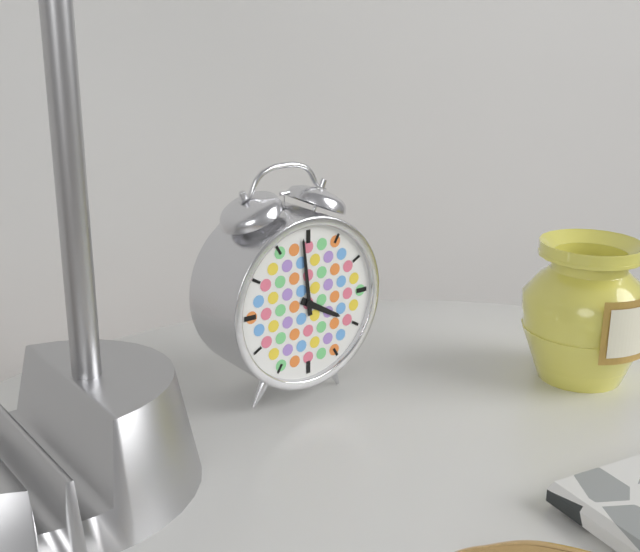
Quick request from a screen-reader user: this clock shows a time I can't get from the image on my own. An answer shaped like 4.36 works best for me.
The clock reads 3.59
